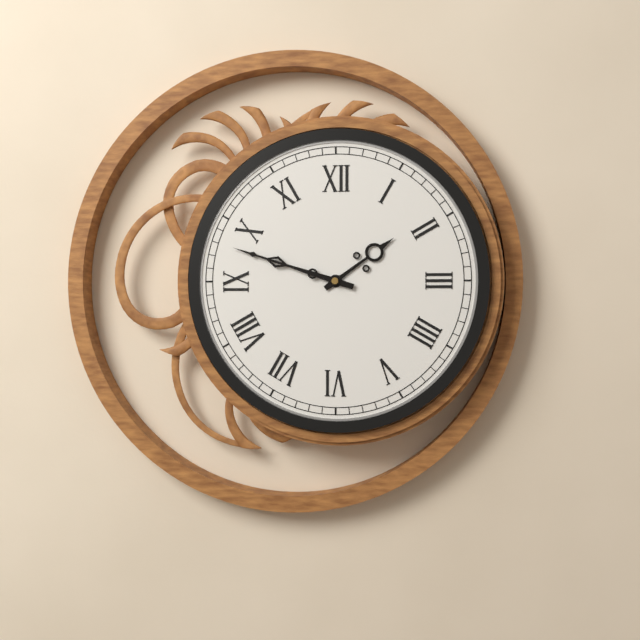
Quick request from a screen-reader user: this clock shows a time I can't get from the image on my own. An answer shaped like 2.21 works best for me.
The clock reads 1.48
